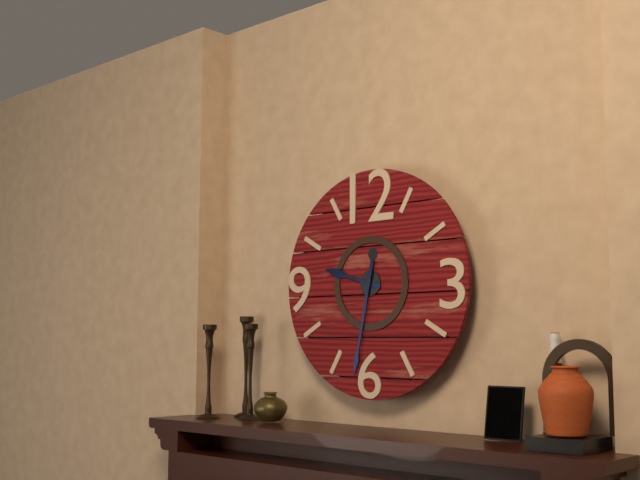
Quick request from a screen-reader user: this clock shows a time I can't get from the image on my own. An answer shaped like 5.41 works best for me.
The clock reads 9.32
